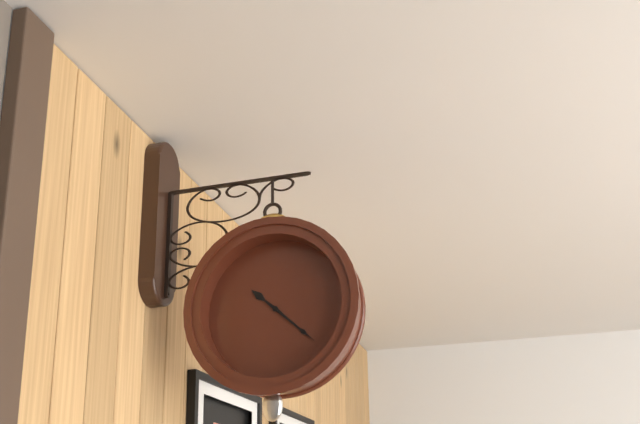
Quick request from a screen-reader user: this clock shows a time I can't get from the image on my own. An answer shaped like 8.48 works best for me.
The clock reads 10.22
